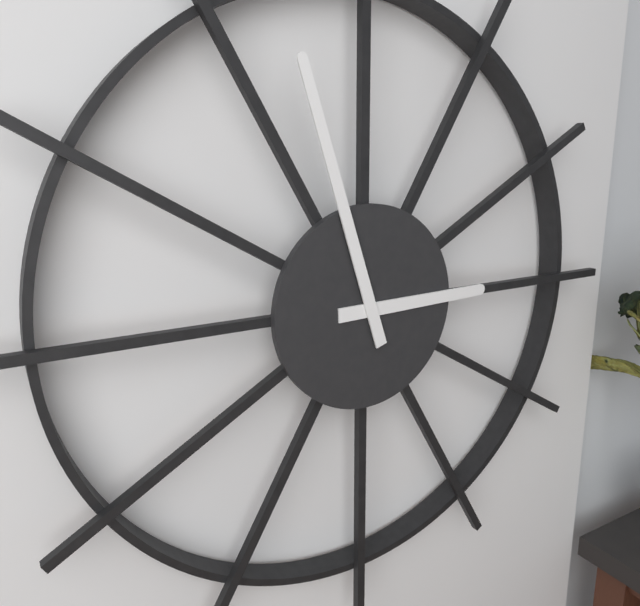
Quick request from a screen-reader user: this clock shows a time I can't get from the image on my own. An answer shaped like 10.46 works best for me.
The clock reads 2.57
